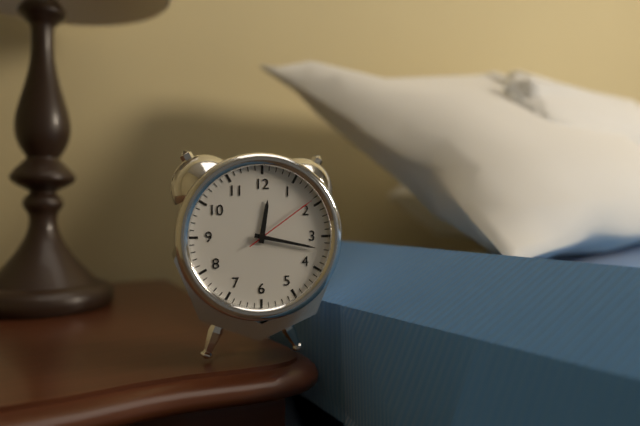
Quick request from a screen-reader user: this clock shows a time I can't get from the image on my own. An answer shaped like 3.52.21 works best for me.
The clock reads 12.17.09
